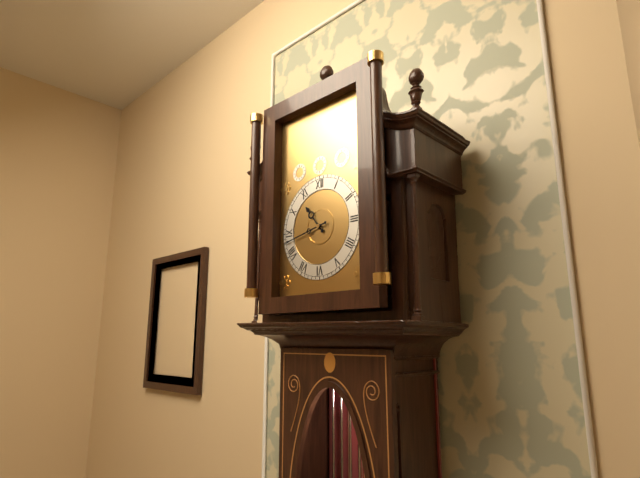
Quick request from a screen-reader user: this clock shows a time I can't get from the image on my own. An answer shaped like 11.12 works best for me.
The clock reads 10.43
